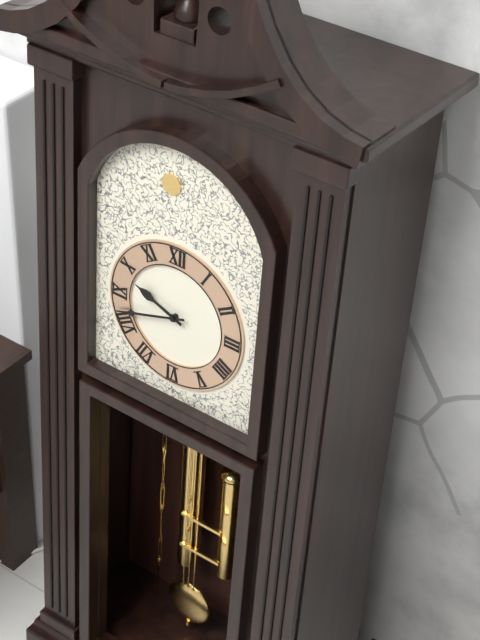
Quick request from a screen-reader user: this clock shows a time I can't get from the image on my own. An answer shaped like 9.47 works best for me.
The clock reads 9.42
